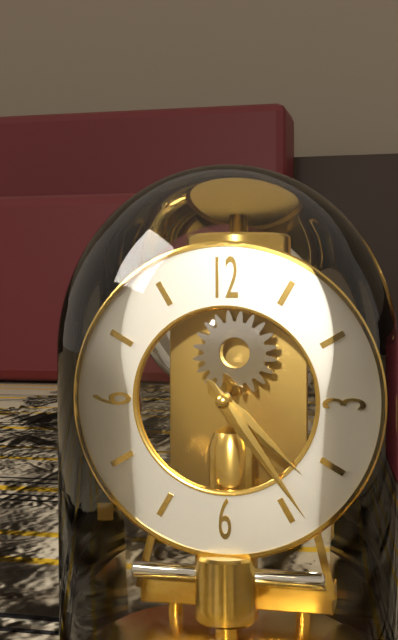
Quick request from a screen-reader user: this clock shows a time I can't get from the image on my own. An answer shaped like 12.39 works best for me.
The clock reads 4.24
